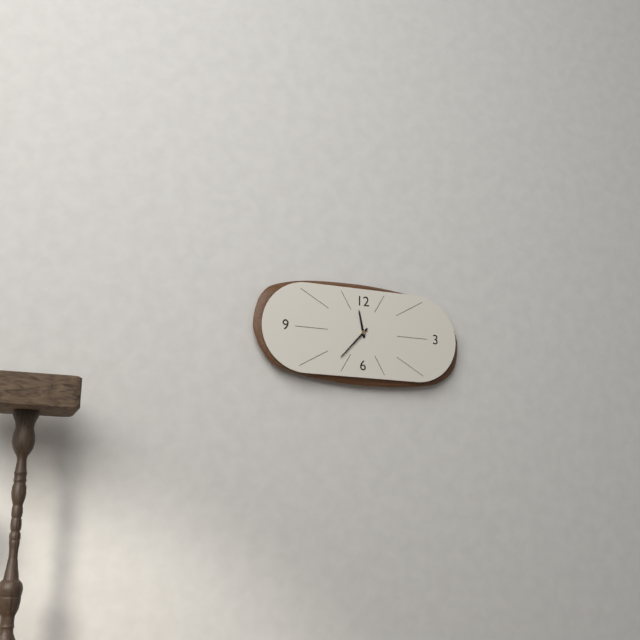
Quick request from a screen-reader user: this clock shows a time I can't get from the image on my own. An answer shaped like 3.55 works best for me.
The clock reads 11.37
